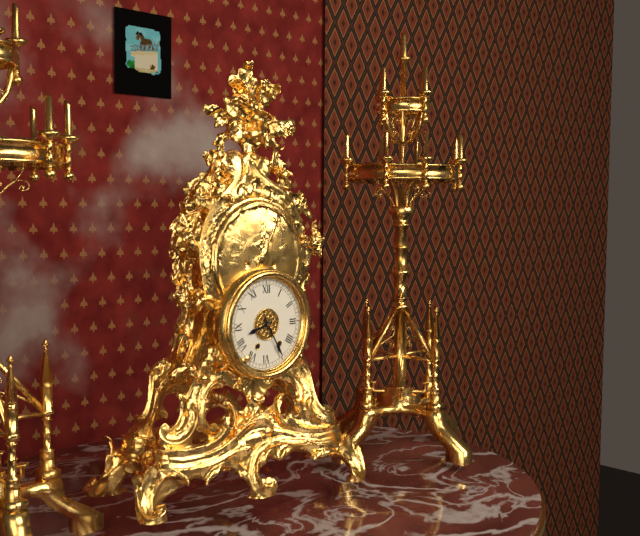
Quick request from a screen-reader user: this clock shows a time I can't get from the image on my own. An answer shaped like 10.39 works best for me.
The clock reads 8.25
